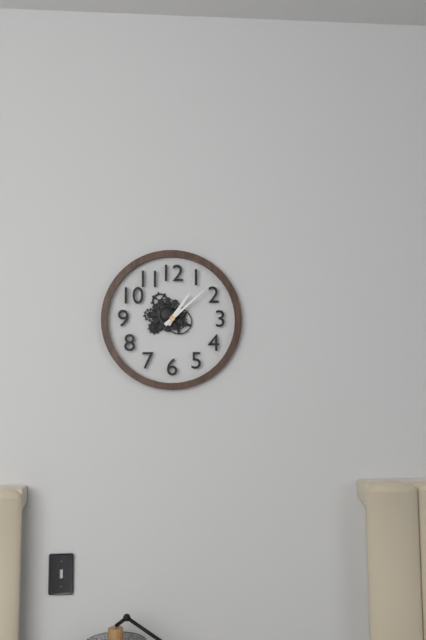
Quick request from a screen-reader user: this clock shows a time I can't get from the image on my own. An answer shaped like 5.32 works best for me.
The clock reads 1.08
